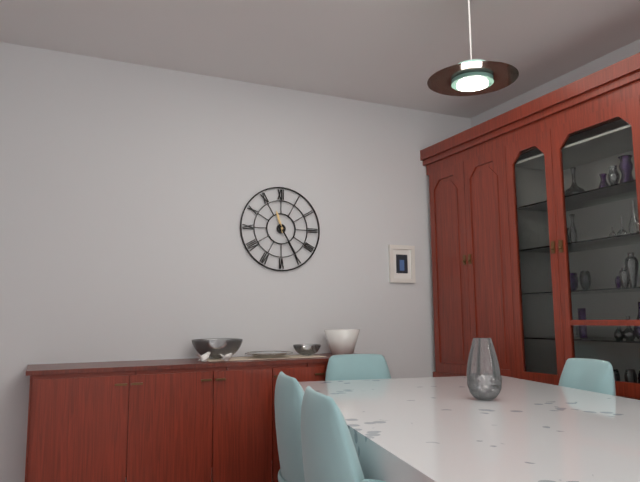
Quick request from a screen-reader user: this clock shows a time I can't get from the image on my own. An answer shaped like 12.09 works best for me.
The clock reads 11.25
